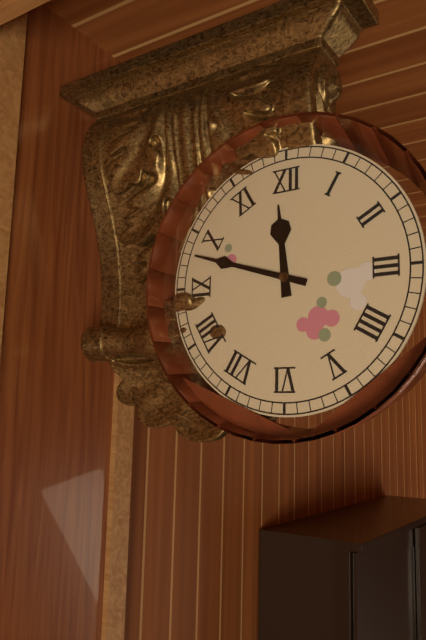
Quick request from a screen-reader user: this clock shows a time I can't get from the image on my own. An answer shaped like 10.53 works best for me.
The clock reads 11.48
